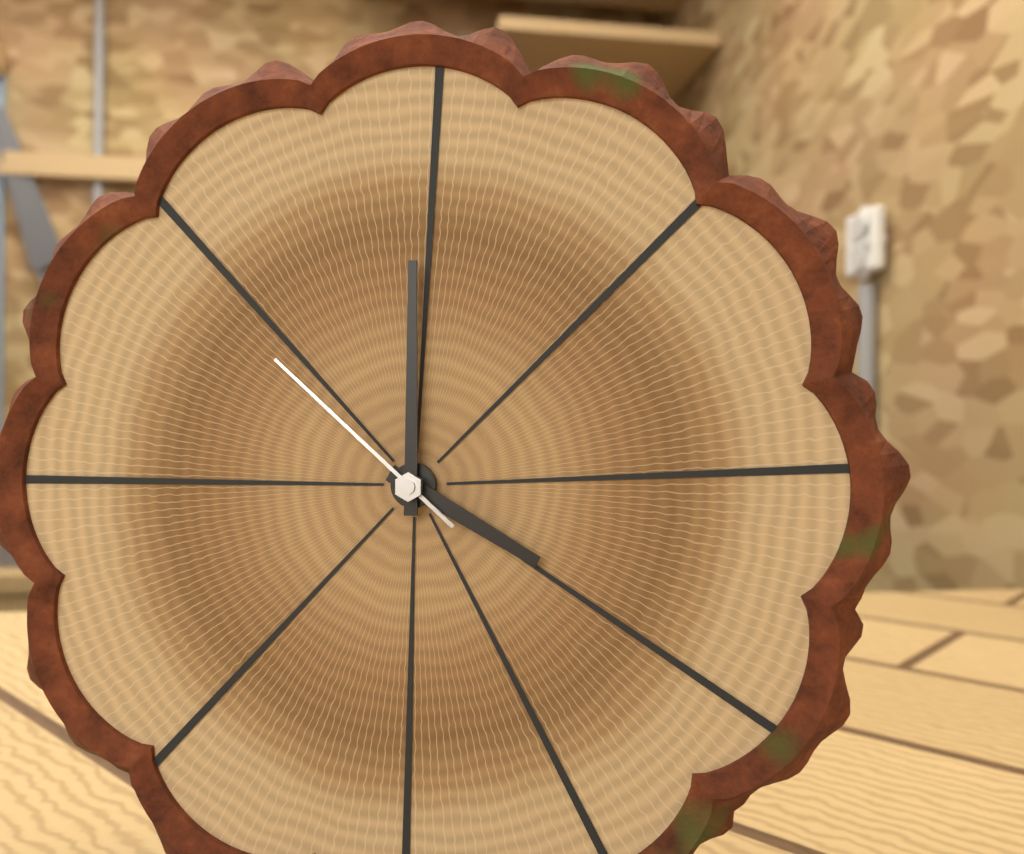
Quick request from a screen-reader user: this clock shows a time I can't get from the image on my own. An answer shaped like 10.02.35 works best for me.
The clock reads 4.00.52
